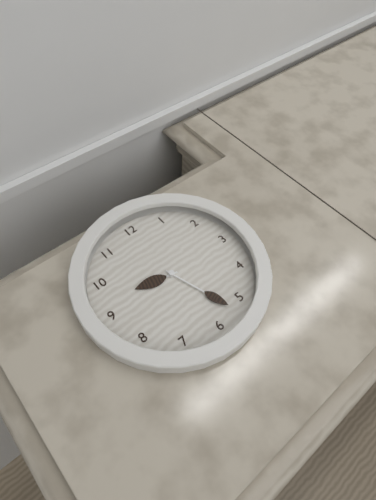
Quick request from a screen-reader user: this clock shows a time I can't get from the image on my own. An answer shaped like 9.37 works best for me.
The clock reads 9.27
